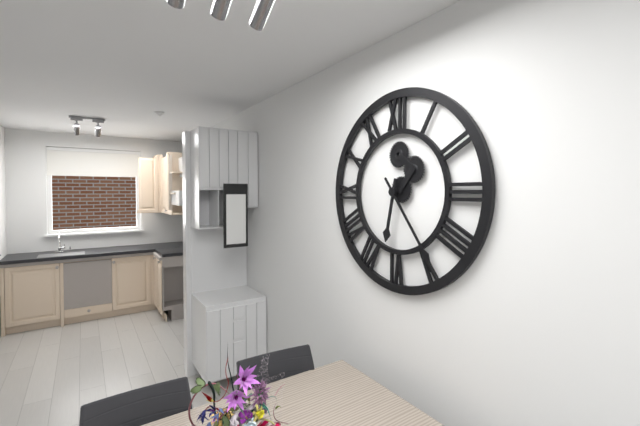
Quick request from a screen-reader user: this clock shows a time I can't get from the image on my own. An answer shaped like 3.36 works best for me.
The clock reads 6.24
